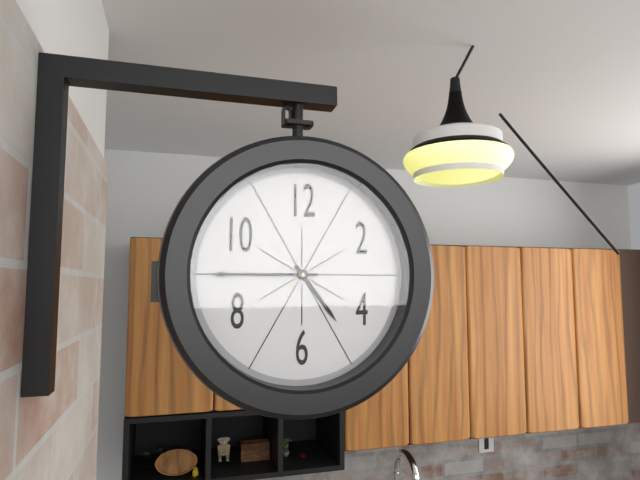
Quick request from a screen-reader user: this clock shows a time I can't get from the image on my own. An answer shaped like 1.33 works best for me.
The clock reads 4.45
